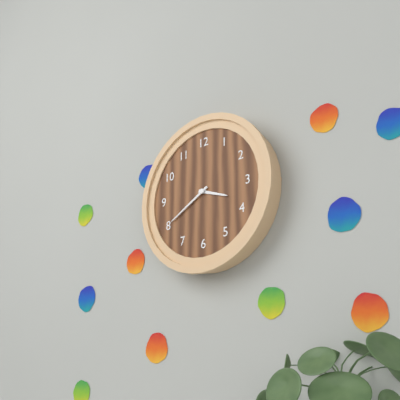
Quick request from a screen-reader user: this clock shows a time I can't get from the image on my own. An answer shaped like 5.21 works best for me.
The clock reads 3.40
